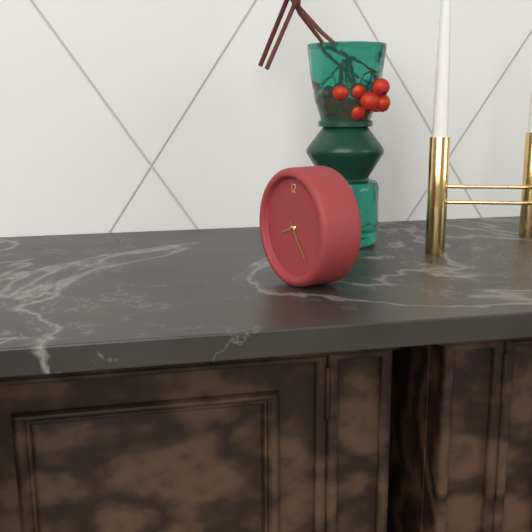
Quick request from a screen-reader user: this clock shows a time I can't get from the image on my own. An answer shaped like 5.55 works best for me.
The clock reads 8.24
